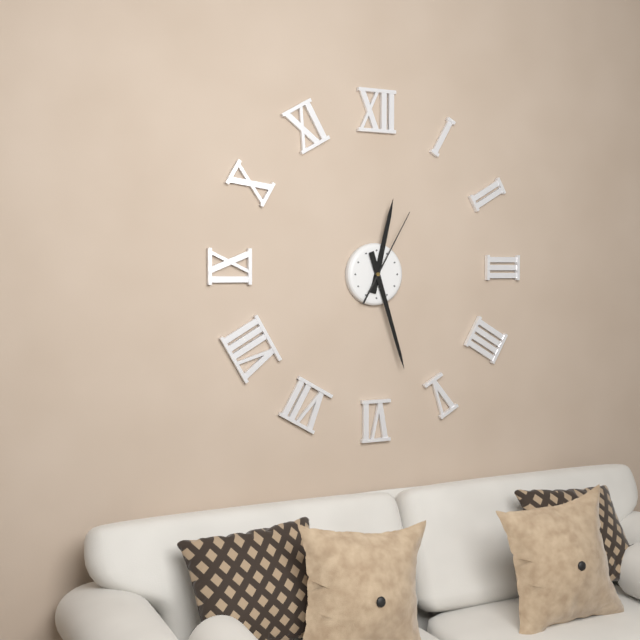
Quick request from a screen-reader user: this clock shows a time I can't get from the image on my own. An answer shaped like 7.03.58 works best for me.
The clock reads 12.27.05
